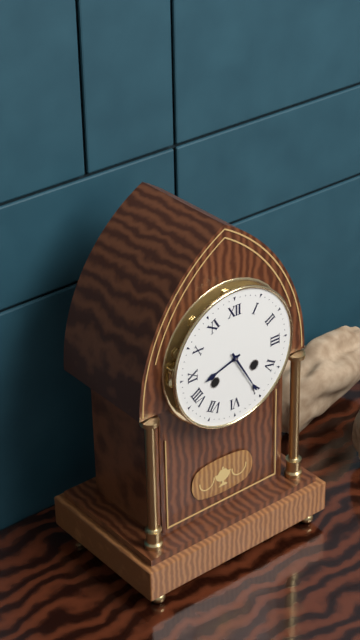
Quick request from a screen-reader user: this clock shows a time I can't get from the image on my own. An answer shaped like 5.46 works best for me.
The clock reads 8.25
